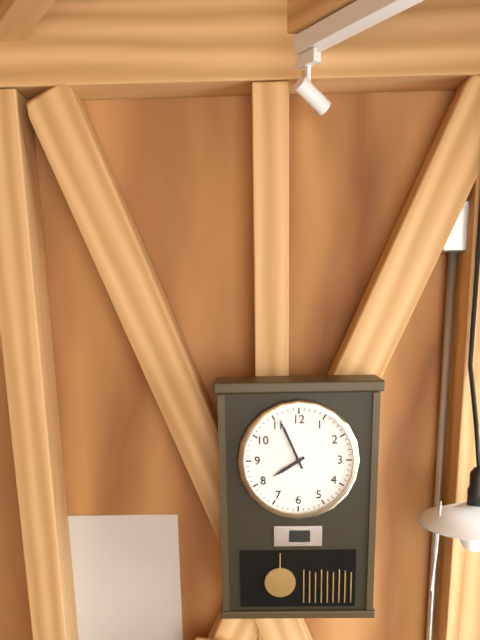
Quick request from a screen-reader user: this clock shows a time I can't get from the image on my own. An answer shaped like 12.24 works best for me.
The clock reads 7.56
